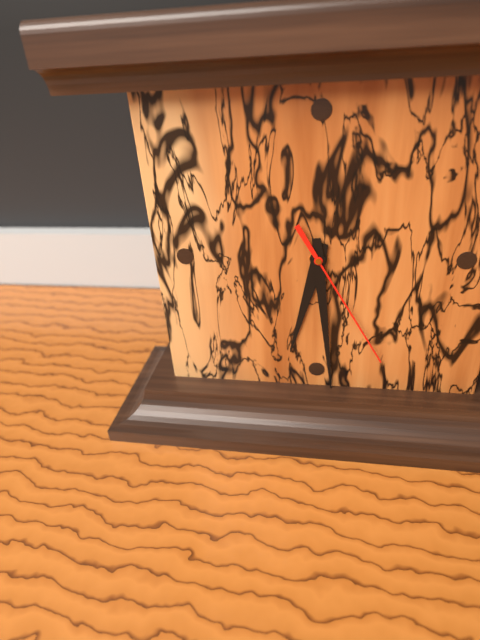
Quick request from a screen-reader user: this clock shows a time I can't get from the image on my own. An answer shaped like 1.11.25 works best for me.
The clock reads 6.29.25
